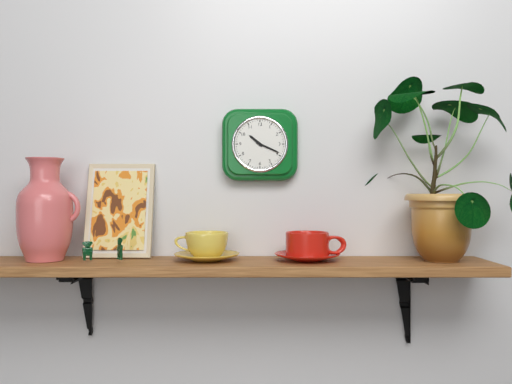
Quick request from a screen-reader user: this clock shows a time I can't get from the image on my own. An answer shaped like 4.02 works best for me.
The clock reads 10.19
